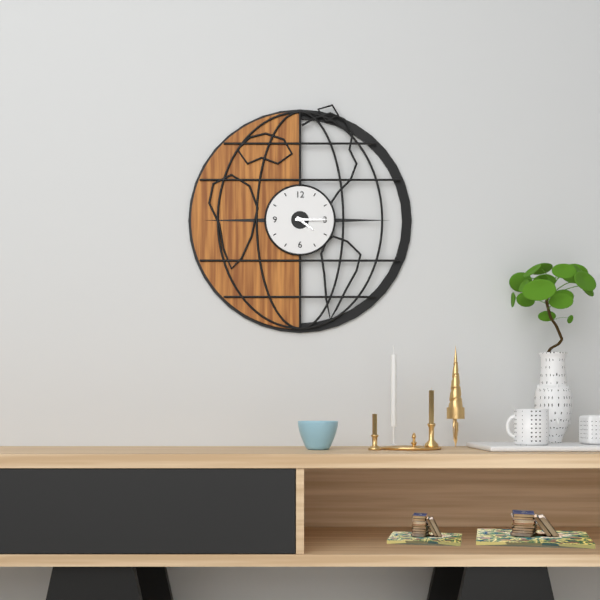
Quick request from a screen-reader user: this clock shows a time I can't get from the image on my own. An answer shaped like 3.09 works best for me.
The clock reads 4.15
